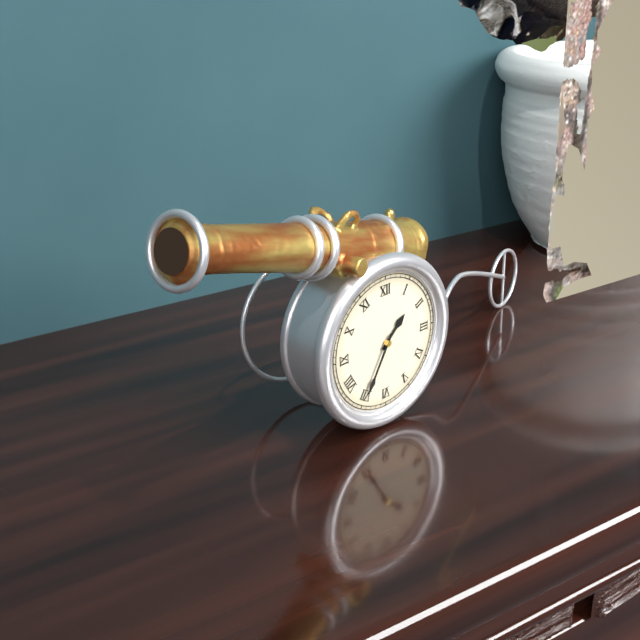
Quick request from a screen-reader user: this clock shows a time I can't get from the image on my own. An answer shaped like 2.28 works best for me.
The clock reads 1.35
